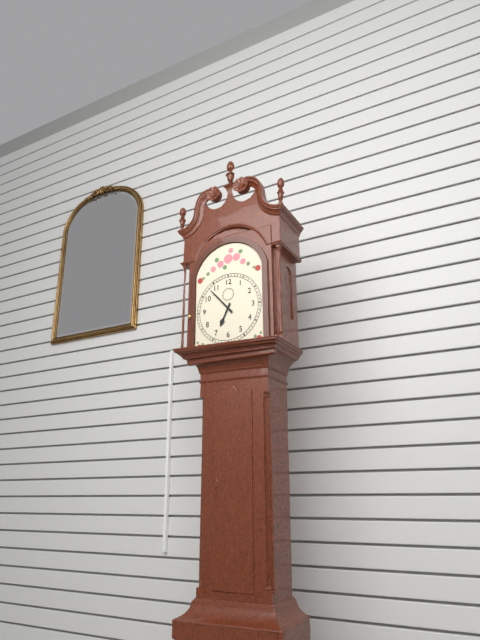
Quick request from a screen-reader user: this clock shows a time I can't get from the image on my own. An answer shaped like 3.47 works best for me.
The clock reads 6.53
